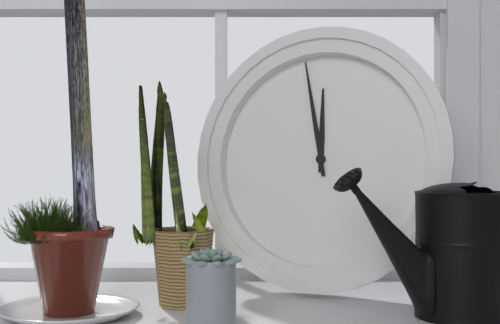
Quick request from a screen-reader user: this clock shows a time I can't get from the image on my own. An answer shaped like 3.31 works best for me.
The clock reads 11.58
